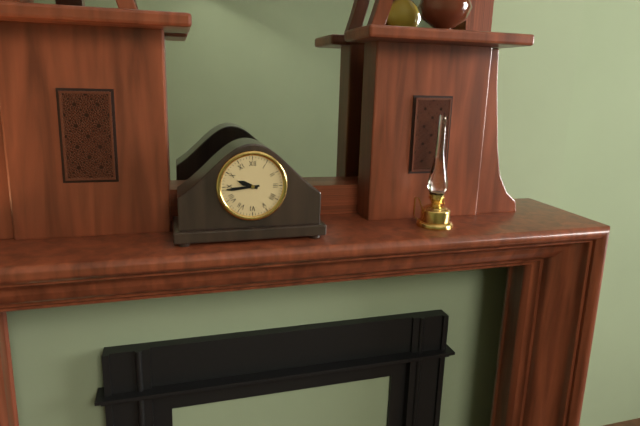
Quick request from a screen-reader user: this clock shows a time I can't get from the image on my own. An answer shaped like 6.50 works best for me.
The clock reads 9.44
